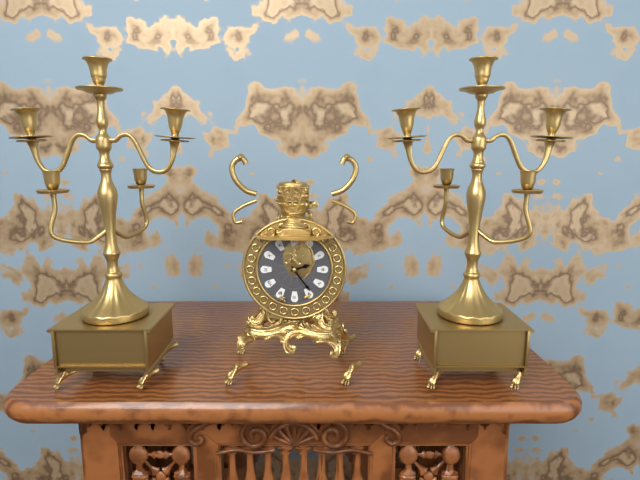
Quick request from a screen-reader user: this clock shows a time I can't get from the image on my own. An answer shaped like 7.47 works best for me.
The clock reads 2.24
